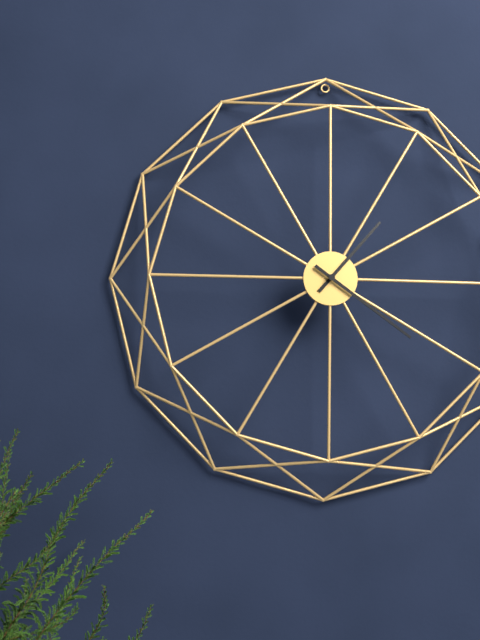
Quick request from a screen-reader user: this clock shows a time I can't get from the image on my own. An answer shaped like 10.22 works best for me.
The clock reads 1.21
